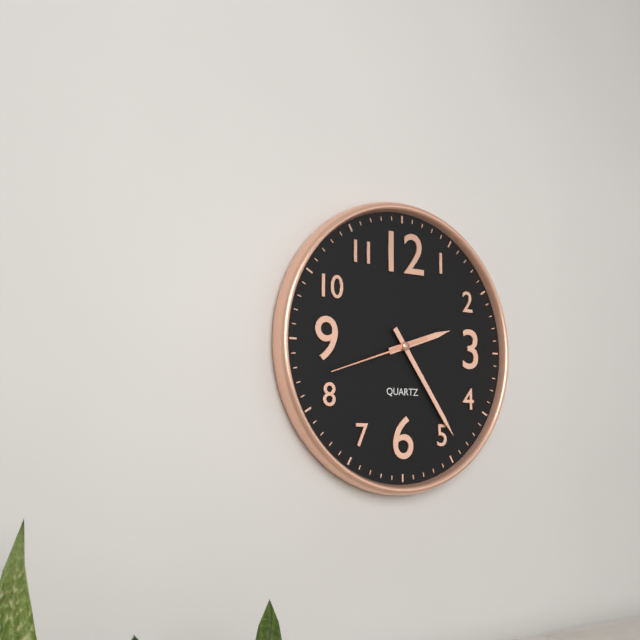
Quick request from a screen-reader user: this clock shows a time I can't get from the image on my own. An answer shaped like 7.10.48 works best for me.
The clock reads 2.24.42
